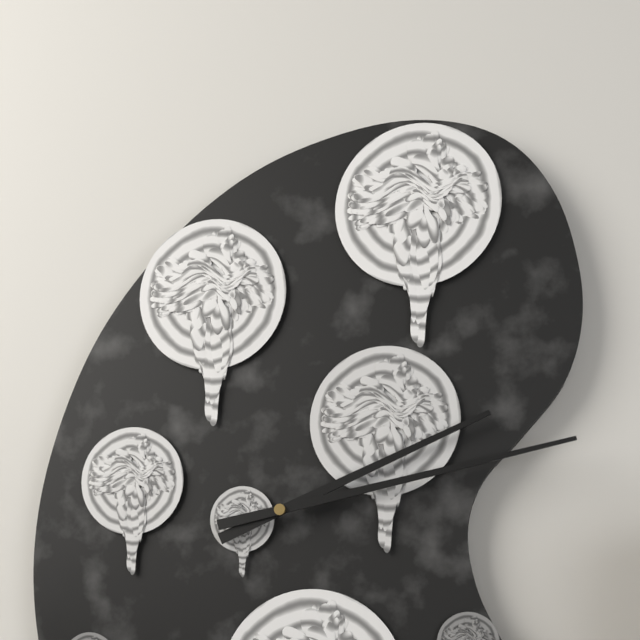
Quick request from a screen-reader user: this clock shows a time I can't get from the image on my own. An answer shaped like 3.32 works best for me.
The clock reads 2.13
